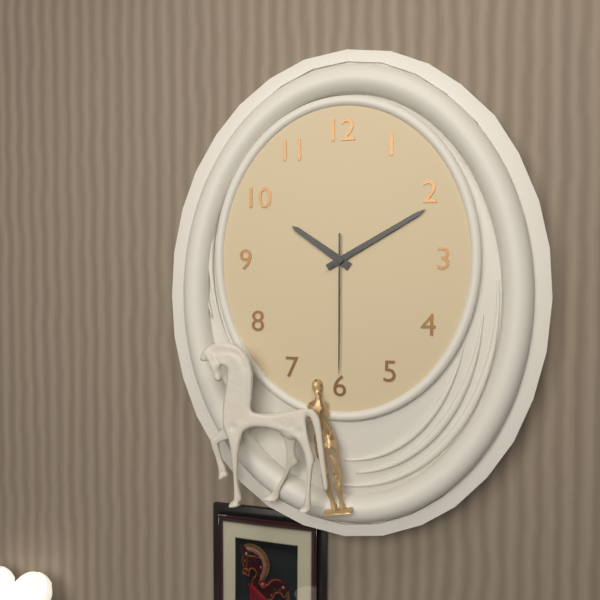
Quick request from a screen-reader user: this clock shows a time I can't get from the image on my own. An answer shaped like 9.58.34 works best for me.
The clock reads 10.10.30
